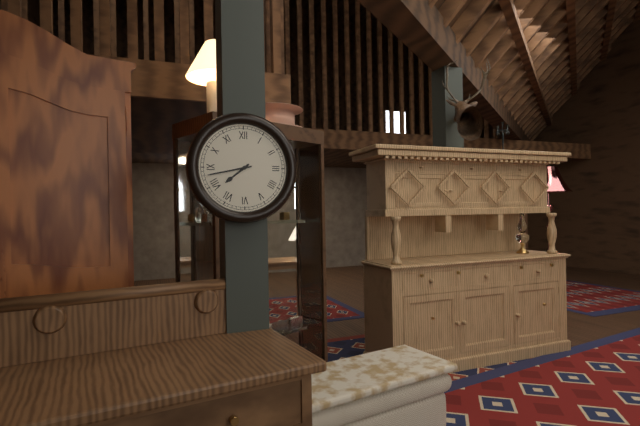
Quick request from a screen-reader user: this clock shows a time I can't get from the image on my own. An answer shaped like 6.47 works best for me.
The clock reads 7.43
